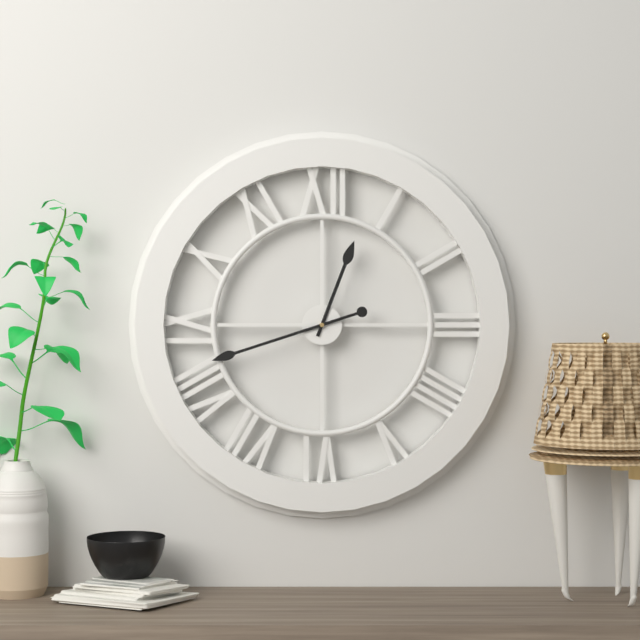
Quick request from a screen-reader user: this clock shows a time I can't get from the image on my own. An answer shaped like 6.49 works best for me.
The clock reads 12.42
